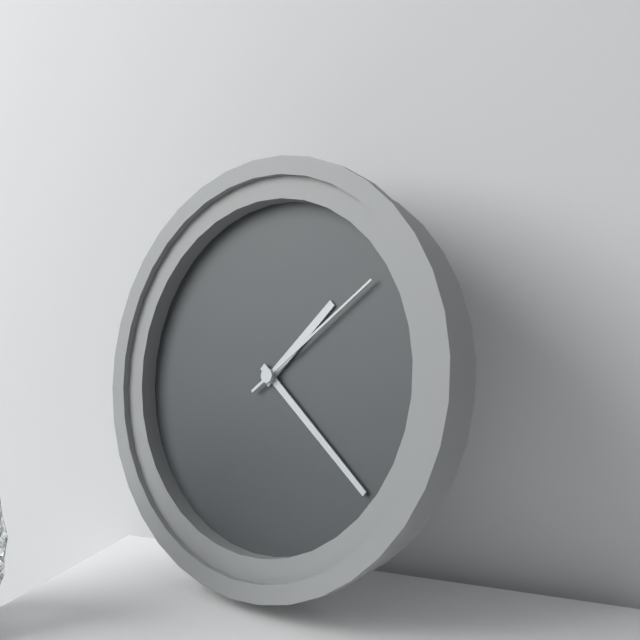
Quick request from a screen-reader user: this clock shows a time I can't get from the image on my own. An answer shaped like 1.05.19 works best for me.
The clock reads 1.21.08
